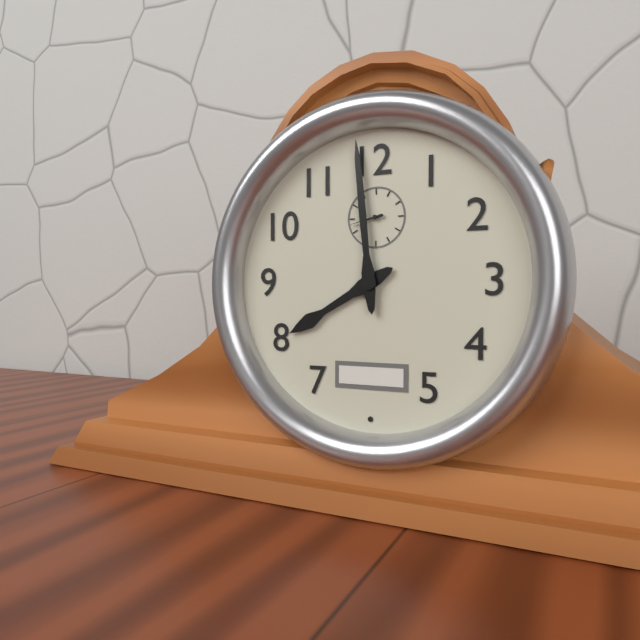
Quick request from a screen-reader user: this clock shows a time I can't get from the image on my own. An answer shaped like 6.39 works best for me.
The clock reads 7.59
